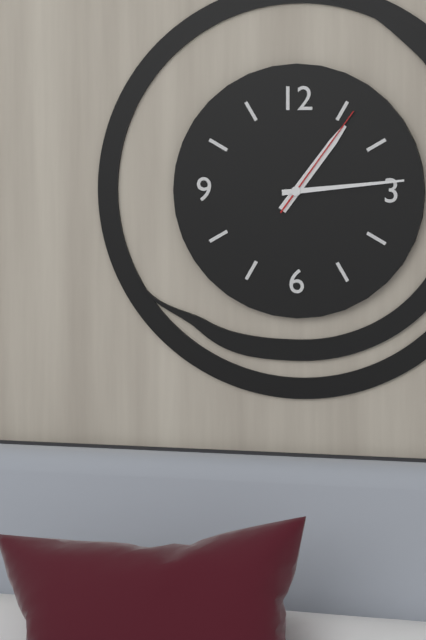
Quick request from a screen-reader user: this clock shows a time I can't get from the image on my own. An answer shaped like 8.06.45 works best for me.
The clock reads 1.14.06
